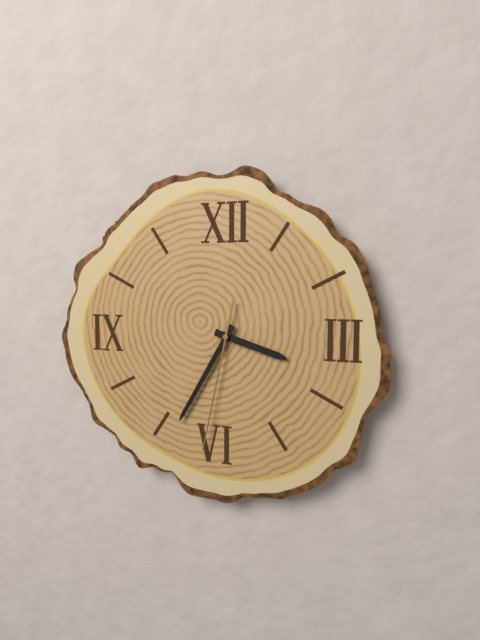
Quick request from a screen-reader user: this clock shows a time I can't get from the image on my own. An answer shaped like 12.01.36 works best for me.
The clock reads 3.35.32
